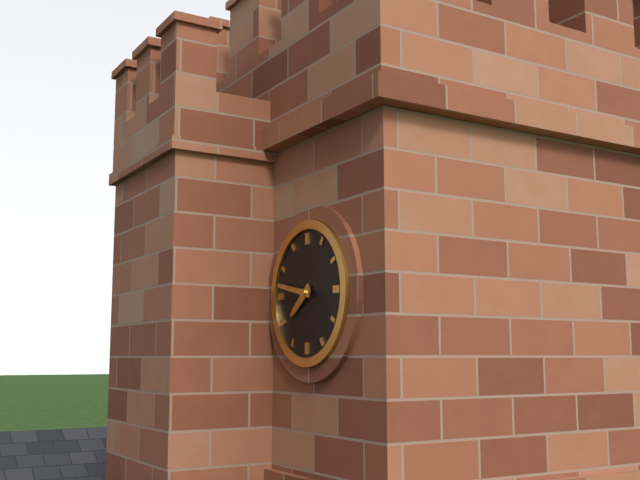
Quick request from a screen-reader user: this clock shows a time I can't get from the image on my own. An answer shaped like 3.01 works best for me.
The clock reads 7.47
